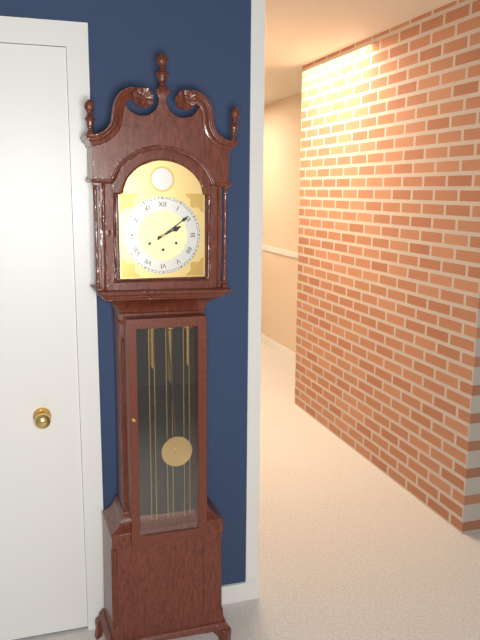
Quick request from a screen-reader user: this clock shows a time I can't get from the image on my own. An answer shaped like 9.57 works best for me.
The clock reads 2.09
